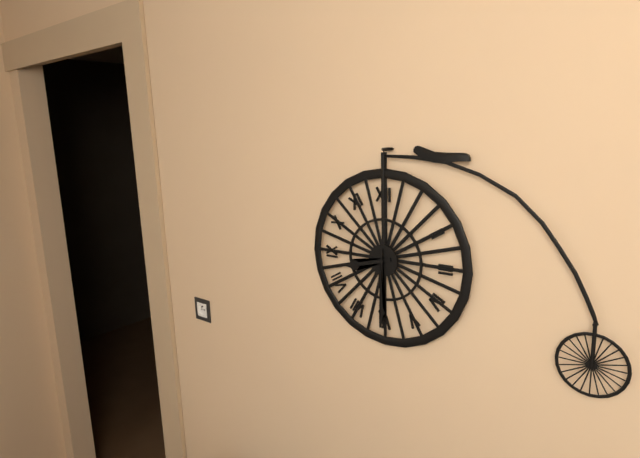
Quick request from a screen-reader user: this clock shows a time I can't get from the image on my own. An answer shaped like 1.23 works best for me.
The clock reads 8.30
